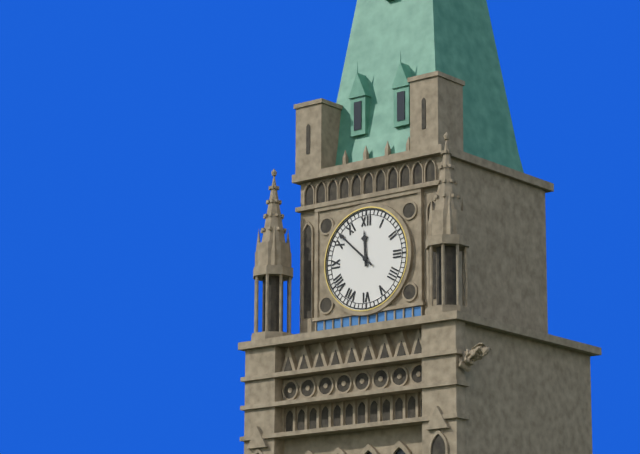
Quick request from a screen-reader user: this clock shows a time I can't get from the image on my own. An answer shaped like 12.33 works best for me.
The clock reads 11.52
